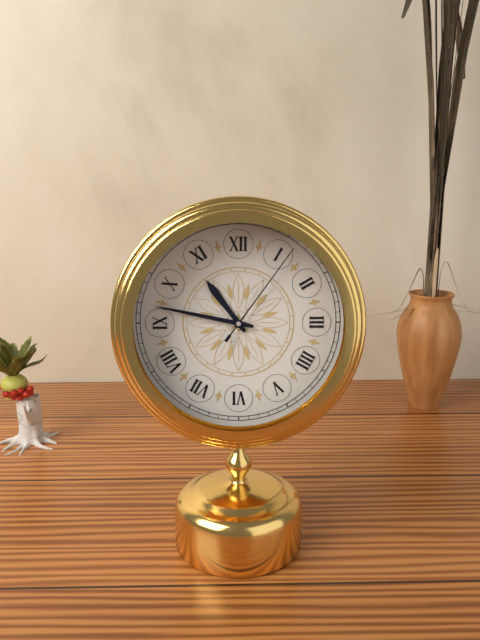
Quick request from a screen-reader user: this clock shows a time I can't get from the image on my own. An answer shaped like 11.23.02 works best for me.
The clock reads 10.47.06
